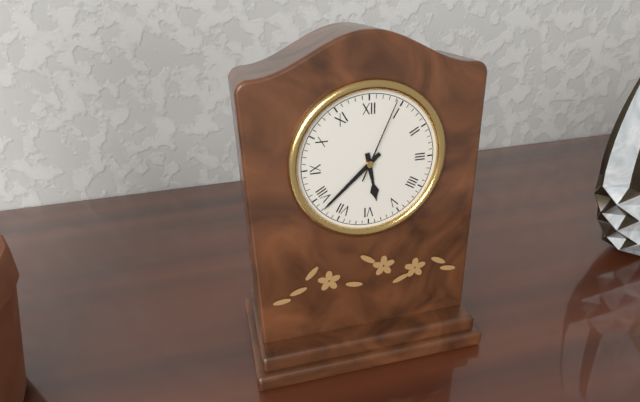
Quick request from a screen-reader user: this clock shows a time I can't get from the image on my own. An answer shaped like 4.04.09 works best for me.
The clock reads 5.38.04
